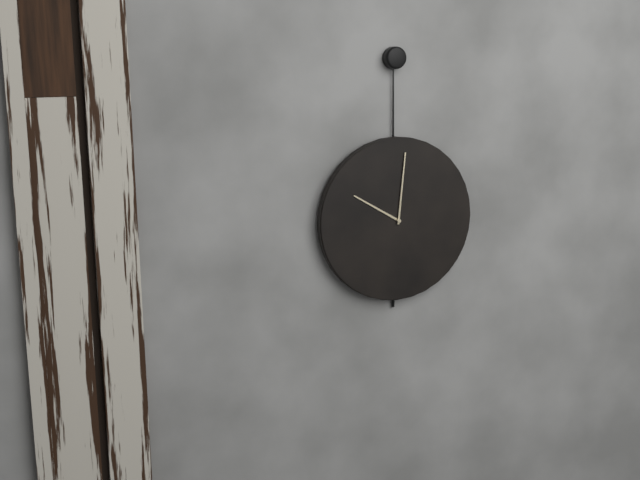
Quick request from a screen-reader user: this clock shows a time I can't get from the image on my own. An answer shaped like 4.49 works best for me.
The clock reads 10.01
